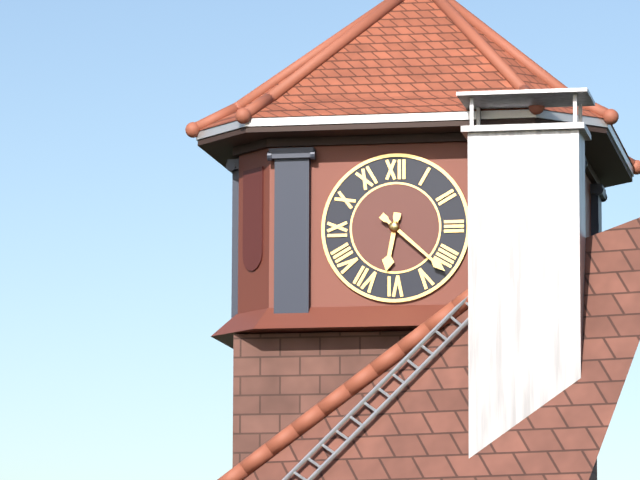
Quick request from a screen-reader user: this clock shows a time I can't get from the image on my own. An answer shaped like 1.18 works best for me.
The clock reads 6.22
